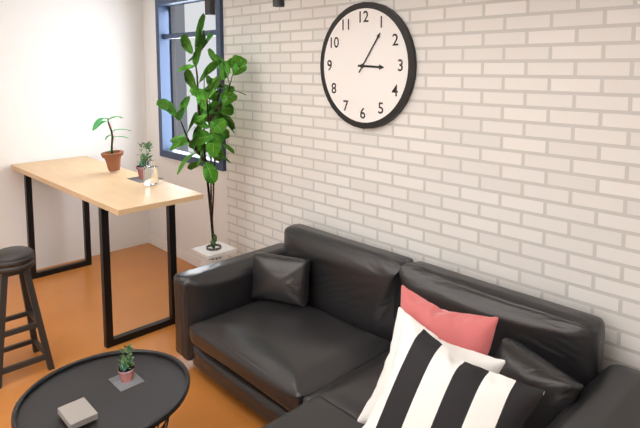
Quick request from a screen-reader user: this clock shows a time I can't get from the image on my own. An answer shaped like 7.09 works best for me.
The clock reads 3.06
